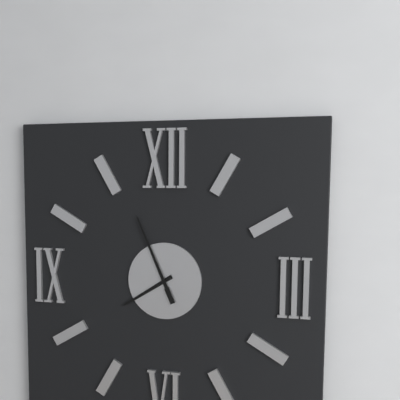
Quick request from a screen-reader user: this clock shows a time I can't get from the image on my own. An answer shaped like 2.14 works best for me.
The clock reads 7.56
